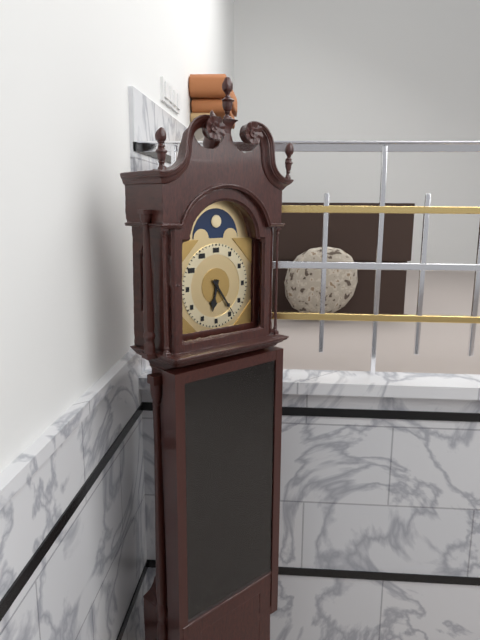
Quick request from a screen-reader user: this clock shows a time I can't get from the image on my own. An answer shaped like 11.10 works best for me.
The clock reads 6.24
